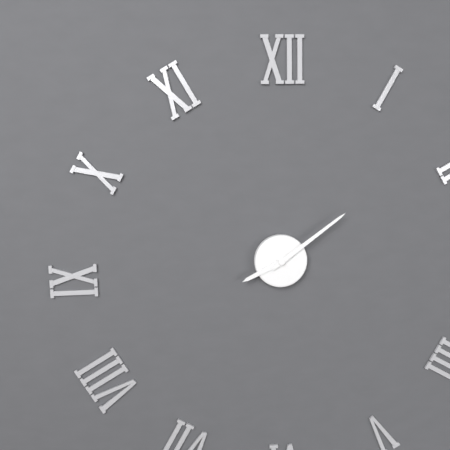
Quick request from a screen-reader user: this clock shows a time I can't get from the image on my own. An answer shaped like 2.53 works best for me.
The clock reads 8.09
